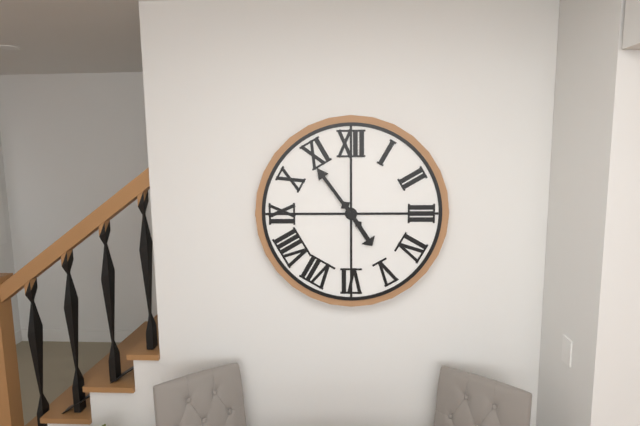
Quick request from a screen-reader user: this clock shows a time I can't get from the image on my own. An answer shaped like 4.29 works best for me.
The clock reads 4.54
